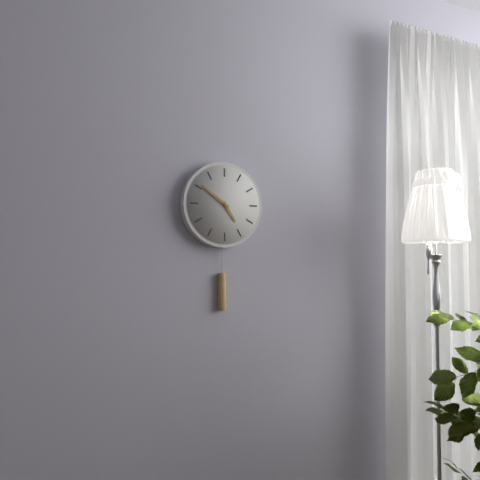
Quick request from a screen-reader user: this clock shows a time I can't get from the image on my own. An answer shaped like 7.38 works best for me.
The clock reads 4.51
